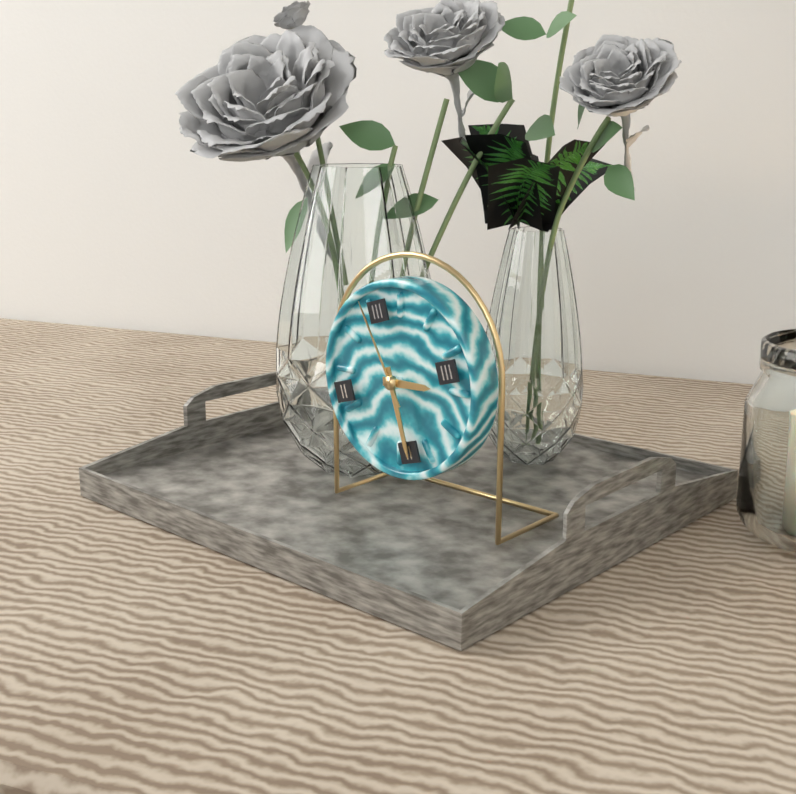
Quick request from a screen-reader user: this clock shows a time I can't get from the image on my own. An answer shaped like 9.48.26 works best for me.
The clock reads 3.30.58
